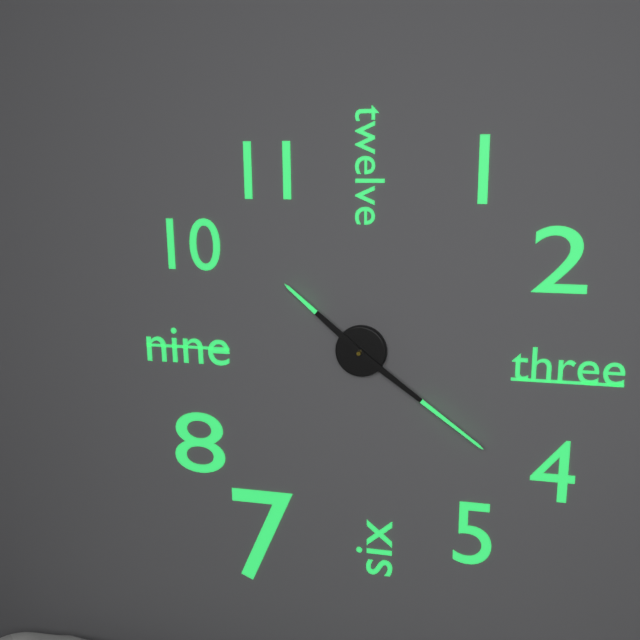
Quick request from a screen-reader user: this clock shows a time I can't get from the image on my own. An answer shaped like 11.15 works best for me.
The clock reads 10.21
